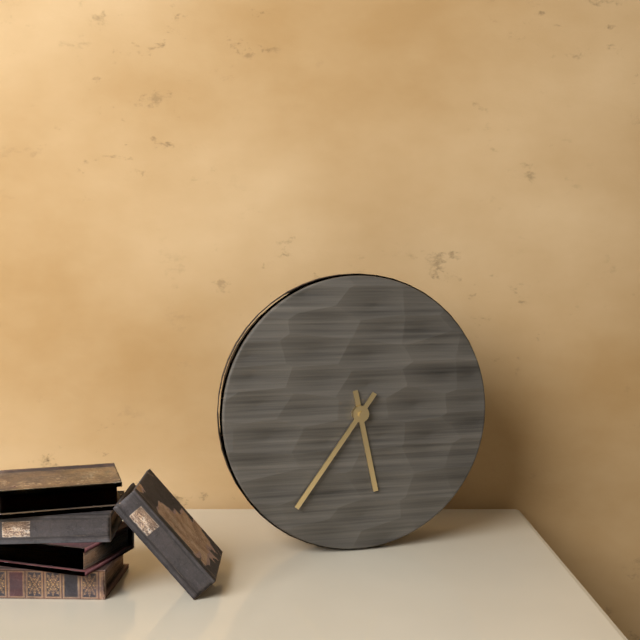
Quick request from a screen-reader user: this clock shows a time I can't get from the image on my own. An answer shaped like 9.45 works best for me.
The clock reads 5.36
